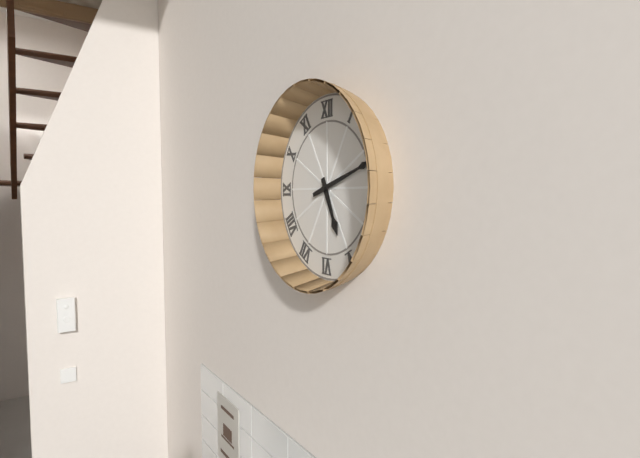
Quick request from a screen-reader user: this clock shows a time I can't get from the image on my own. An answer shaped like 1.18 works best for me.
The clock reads 5.12
